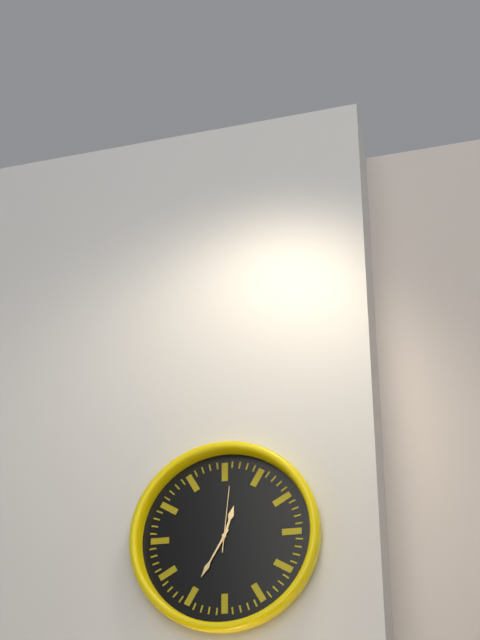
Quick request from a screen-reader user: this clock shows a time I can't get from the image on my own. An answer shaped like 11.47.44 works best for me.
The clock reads 12.35.01
